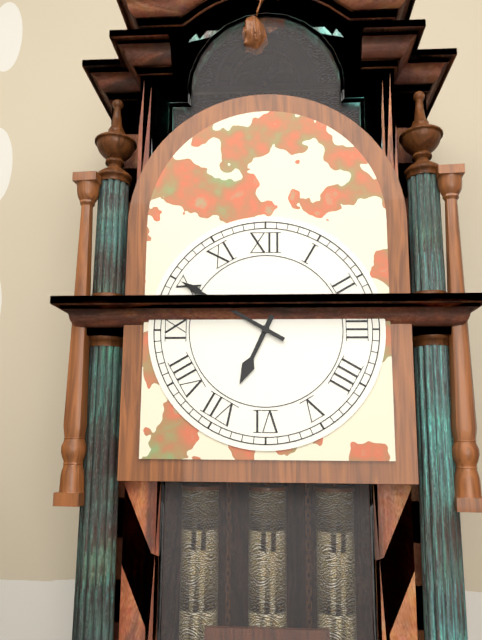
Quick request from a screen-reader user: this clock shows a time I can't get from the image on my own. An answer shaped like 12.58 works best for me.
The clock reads 6.50
